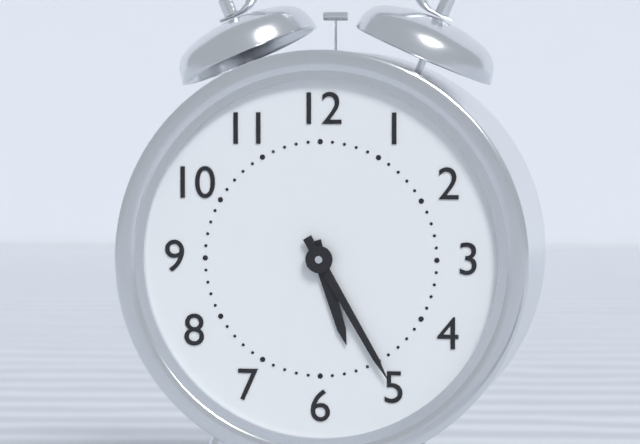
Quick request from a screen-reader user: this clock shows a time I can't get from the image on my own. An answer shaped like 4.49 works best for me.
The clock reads 5.25
